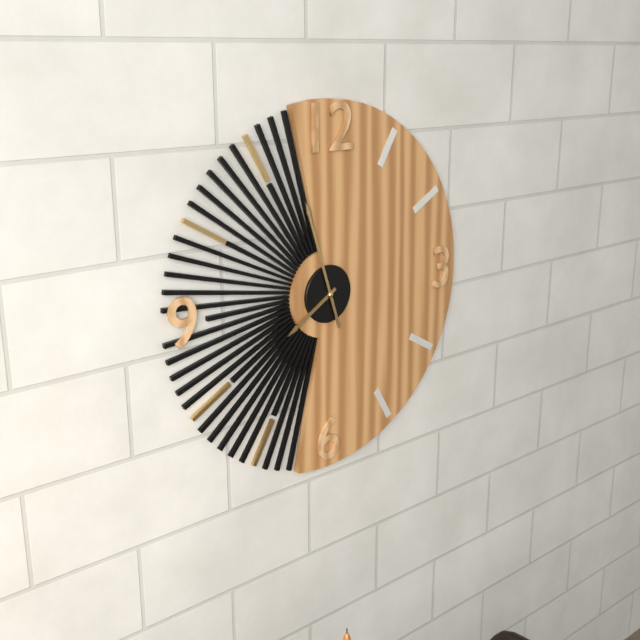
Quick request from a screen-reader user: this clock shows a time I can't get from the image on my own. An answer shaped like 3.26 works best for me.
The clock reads 7.57
